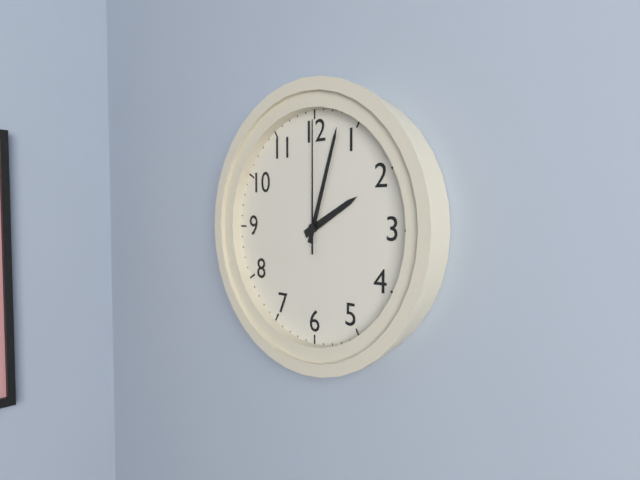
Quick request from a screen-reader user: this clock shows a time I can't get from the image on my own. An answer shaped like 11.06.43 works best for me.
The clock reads 2.03.00
